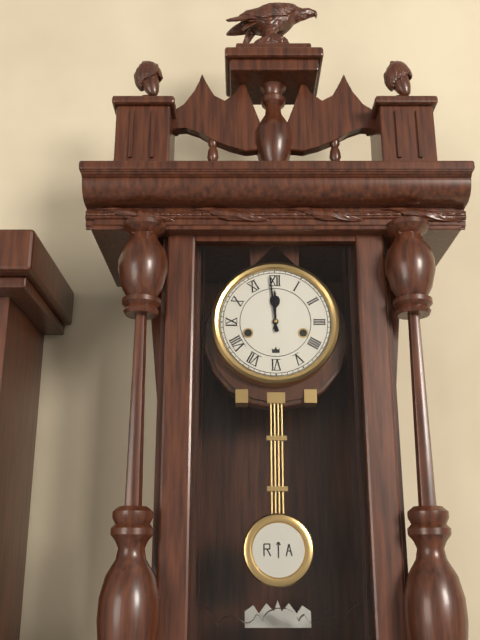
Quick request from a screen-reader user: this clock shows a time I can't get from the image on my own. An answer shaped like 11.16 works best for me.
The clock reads 11.59
